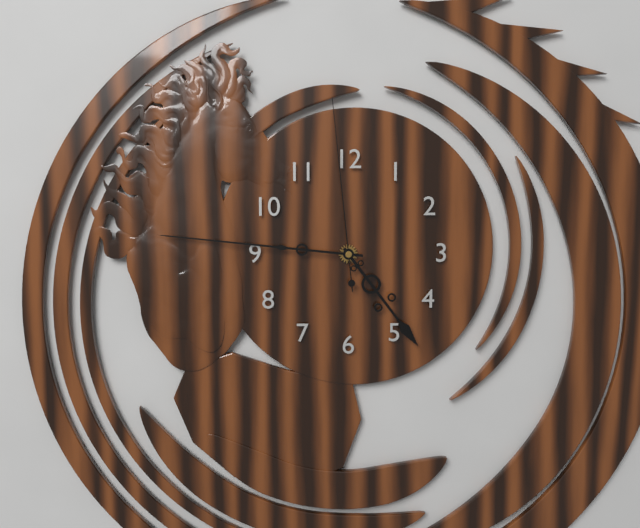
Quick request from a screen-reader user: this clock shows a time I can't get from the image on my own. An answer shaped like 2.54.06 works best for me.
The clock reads 4.46.59
